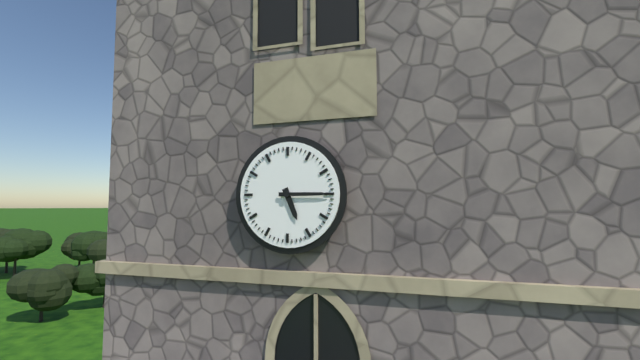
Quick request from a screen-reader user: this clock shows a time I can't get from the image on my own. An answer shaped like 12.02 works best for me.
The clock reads 5.15
